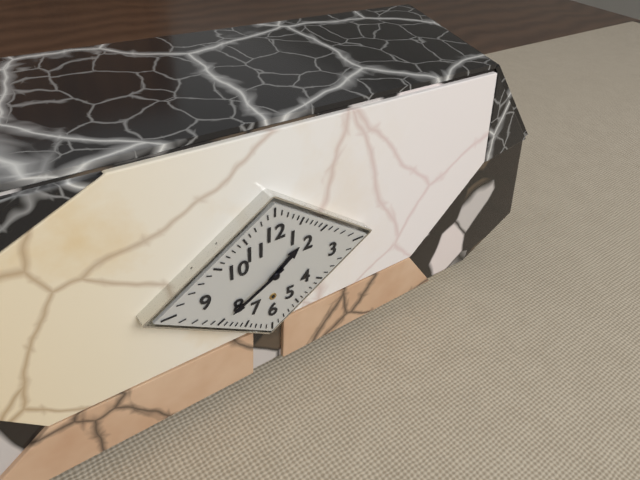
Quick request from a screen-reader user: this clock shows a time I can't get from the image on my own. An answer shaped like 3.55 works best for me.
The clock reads 1.40
